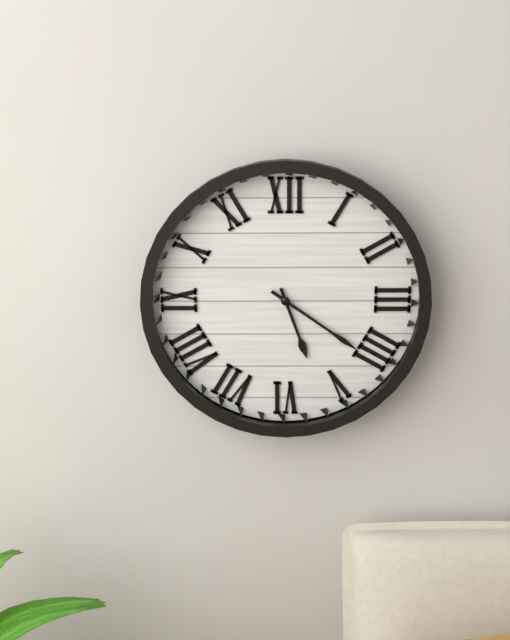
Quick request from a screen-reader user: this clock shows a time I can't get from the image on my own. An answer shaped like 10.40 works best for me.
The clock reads 5.21
